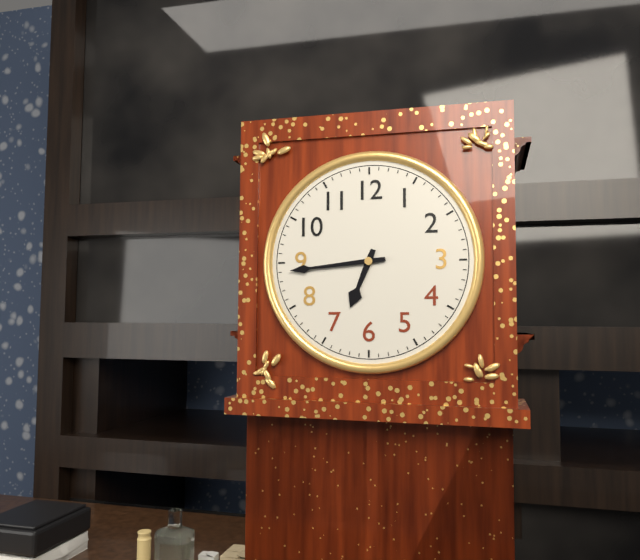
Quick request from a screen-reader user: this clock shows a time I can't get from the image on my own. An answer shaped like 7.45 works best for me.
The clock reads 6.44
